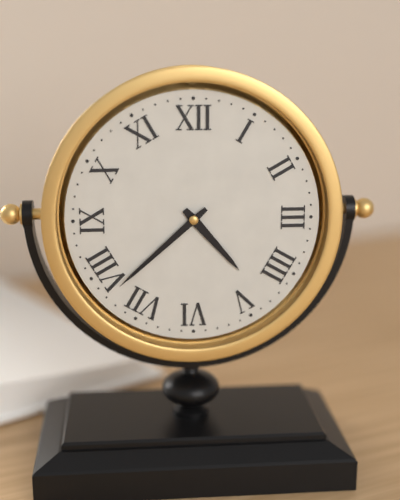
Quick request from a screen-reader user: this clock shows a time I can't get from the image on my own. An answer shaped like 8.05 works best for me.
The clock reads 4.38
